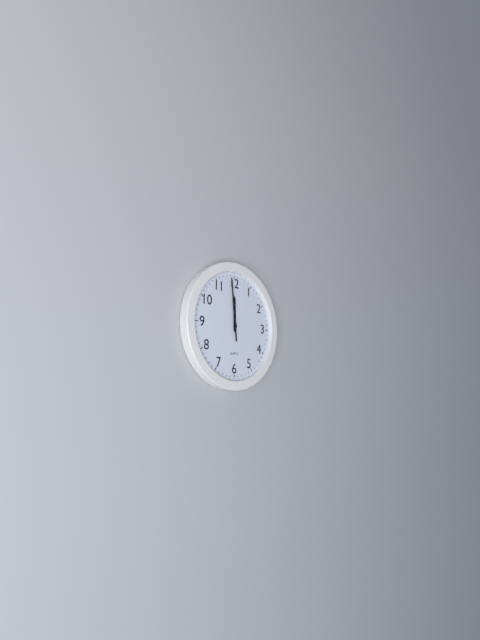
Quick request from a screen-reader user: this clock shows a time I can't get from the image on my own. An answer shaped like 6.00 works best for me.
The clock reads 11.59
